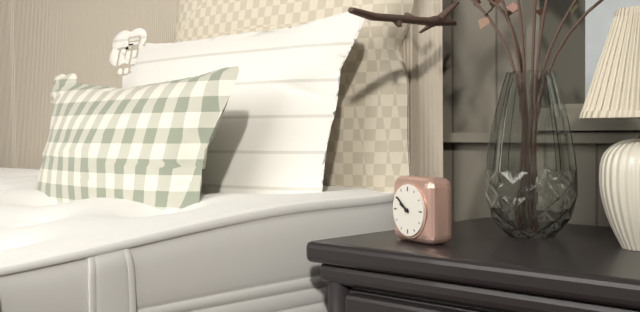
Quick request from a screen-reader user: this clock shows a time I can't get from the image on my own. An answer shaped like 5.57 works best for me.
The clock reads 9.51
